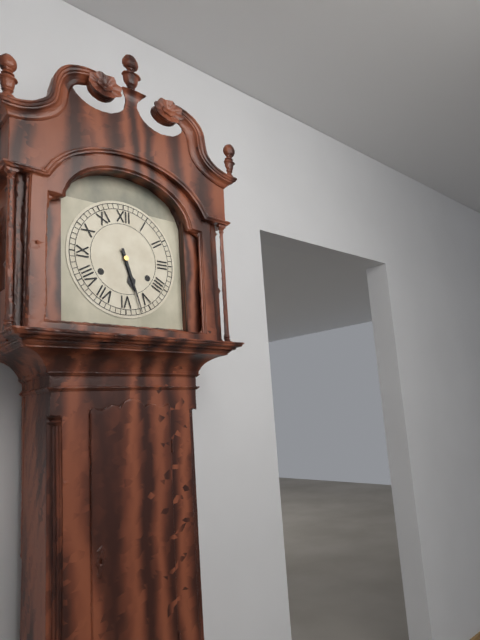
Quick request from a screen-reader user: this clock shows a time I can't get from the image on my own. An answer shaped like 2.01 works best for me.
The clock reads 5.27
